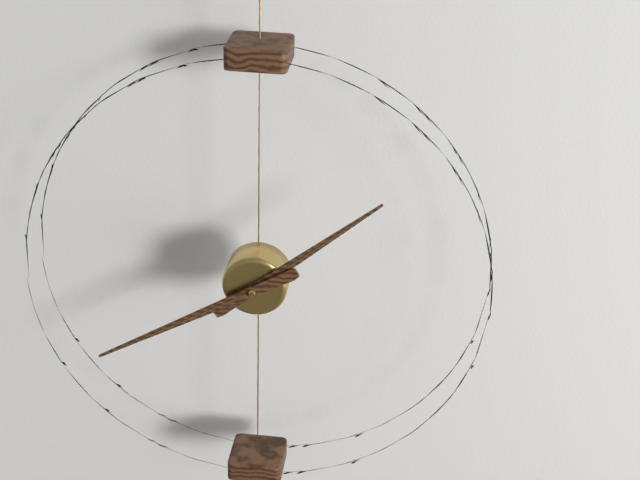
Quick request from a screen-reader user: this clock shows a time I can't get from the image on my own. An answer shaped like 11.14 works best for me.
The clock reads 1.40
